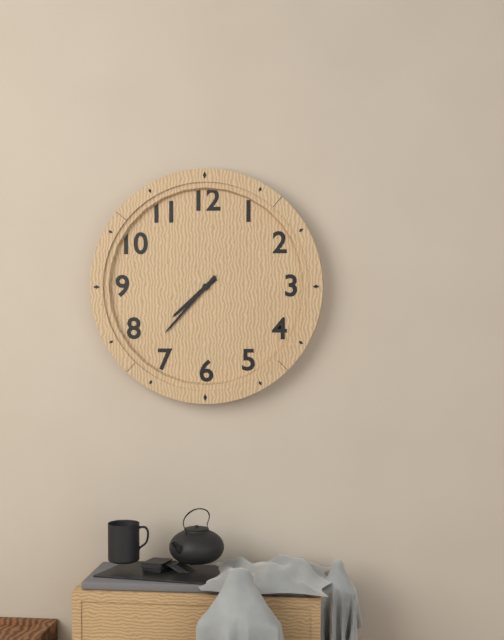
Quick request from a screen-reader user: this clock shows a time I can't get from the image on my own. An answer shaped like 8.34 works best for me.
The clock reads 7.37
